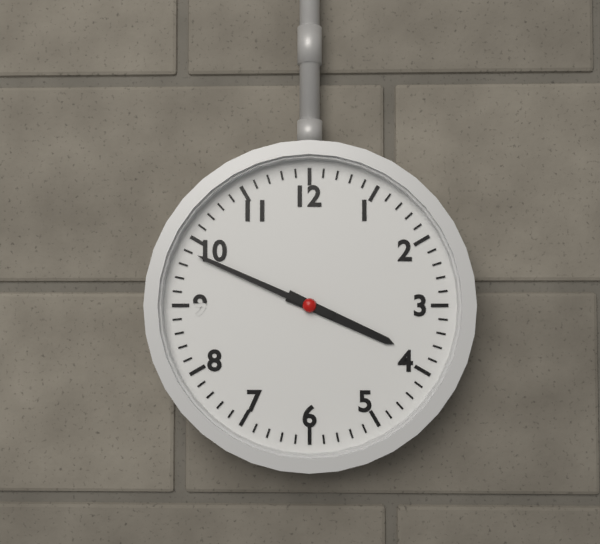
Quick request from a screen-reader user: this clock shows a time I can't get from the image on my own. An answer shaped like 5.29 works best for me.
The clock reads 3.49
